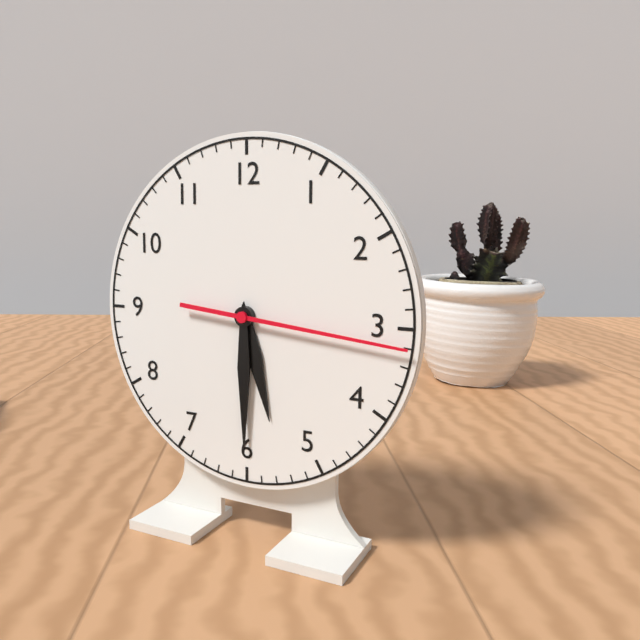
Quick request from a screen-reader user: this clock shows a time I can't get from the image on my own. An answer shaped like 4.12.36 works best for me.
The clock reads 5.30.16
